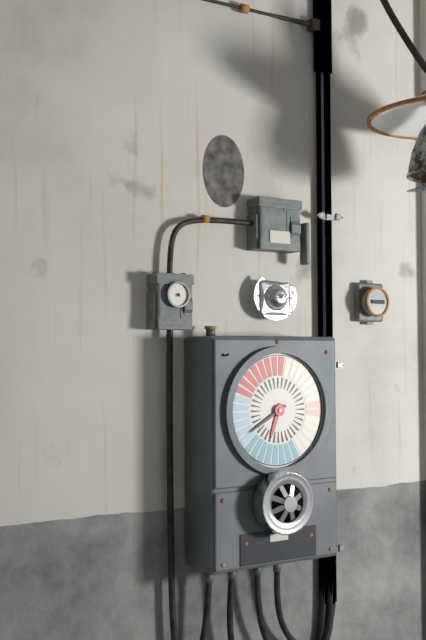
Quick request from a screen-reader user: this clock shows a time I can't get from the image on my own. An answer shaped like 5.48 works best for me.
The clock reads 6.40
